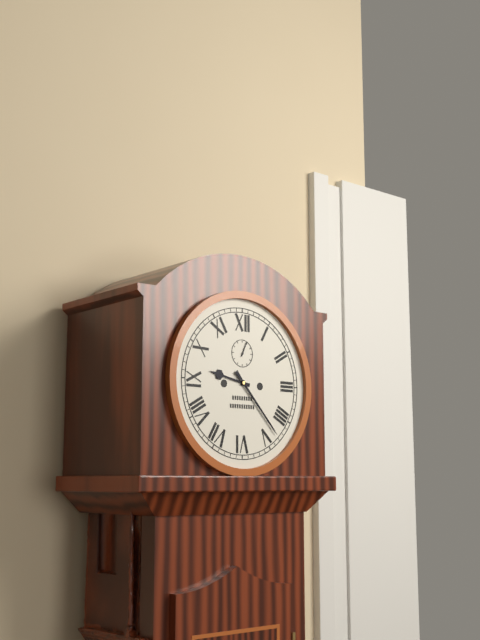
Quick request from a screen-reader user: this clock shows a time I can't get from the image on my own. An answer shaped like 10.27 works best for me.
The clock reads 9.23
